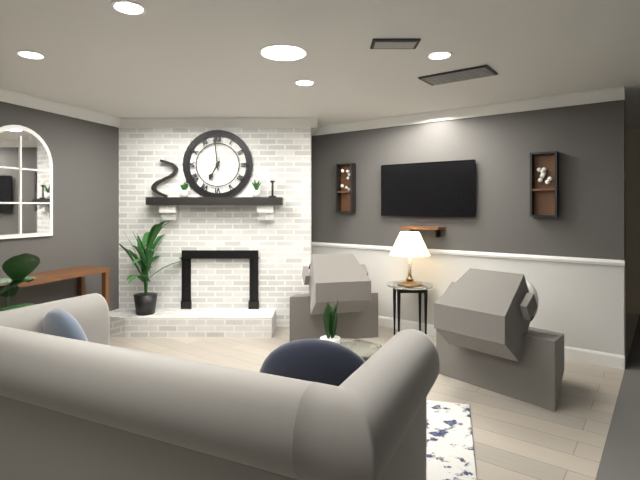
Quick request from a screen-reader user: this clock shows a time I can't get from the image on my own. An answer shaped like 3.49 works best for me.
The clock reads 6.59
